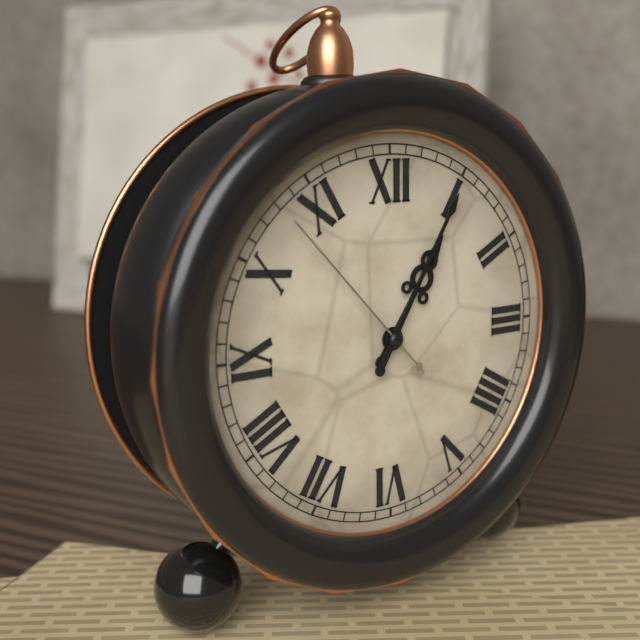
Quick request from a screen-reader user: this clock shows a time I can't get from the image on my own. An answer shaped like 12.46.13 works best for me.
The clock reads 1.05.53
